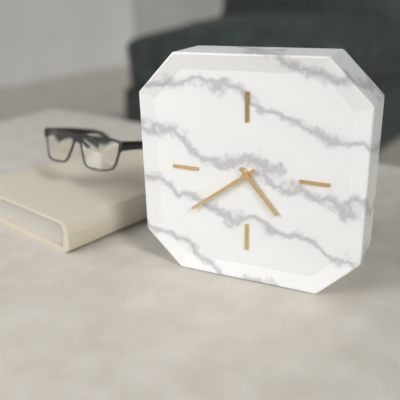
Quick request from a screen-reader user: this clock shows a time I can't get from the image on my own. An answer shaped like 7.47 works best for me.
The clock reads 4.39
